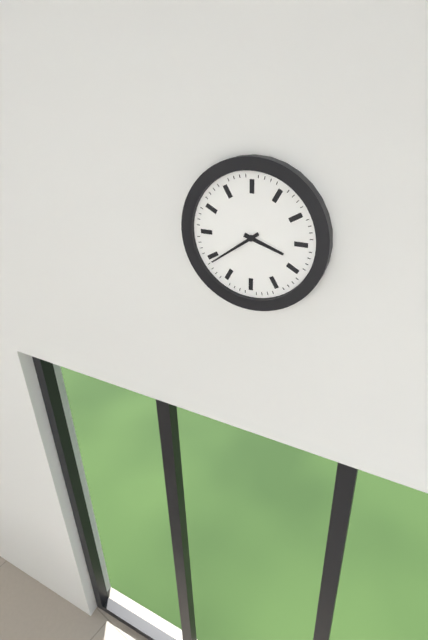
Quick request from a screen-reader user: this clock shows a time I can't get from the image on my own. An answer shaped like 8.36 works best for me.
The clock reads 3.39
